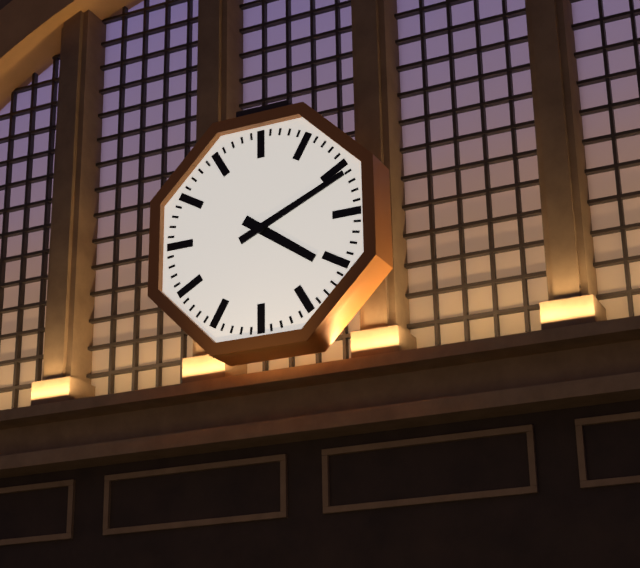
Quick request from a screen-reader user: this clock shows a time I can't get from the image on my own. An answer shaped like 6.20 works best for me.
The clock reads 4.11
